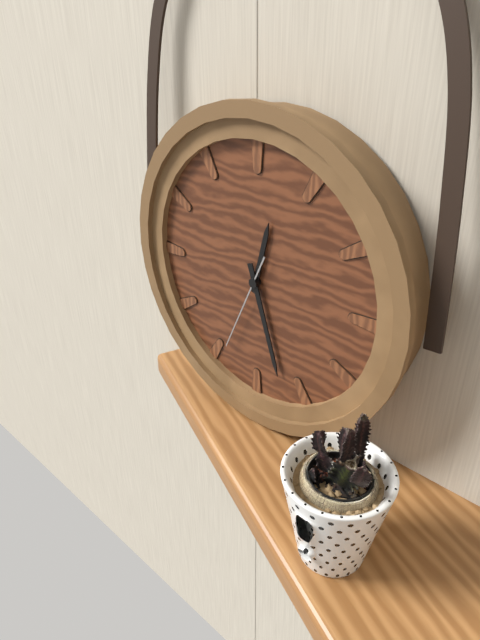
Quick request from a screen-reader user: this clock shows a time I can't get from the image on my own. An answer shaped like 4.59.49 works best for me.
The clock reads 12.27.34
